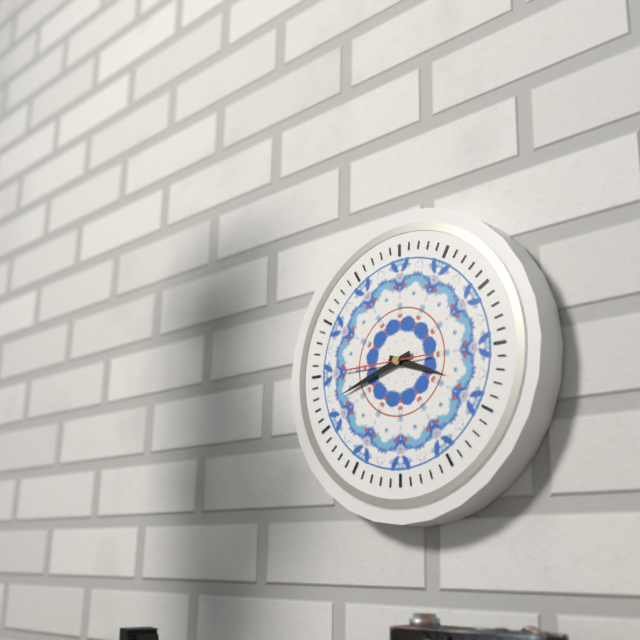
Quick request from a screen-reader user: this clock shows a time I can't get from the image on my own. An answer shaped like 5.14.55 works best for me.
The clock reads 3.42.45
